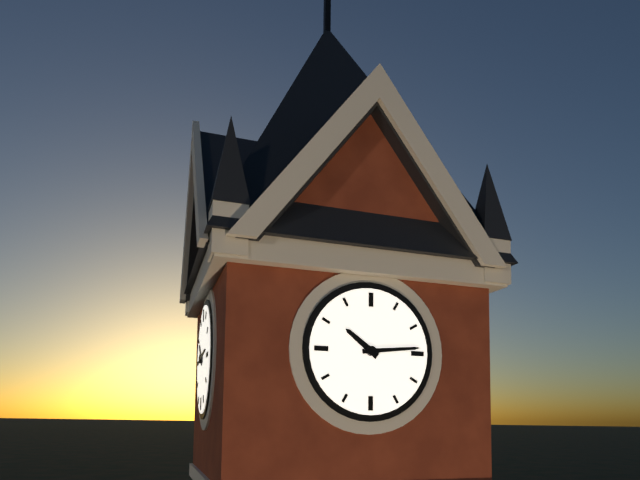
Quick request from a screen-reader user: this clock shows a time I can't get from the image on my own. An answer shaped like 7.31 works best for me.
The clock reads 10.14
